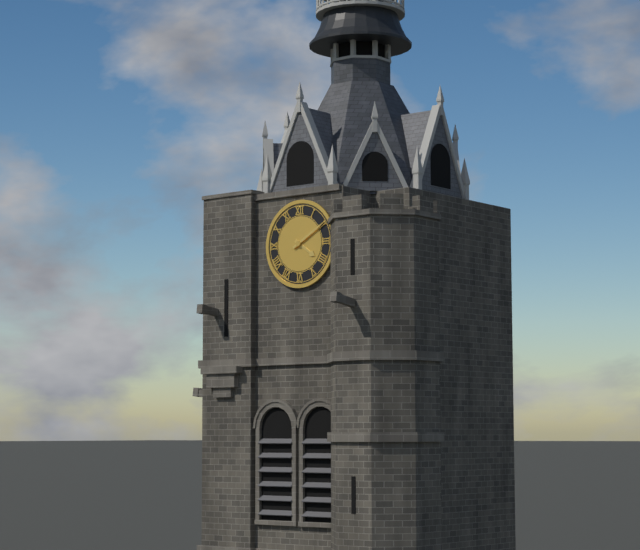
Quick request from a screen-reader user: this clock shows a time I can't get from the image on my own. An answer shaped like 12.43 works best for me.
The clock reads 4.10
